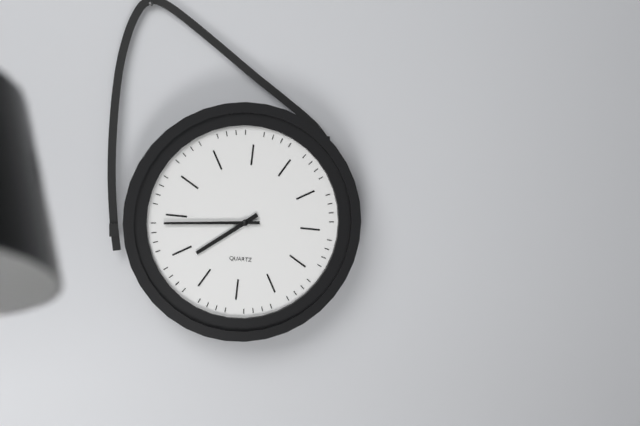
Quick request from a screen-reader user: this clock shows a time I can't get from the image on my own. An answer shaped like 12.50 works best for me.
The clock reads 7.44
